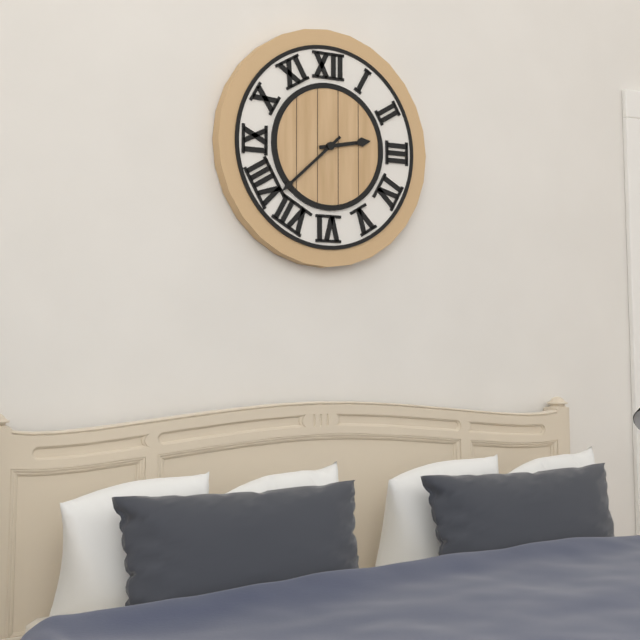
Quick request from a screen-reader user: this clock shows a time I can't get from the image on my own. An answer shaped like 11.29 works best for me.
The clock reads 2.38
